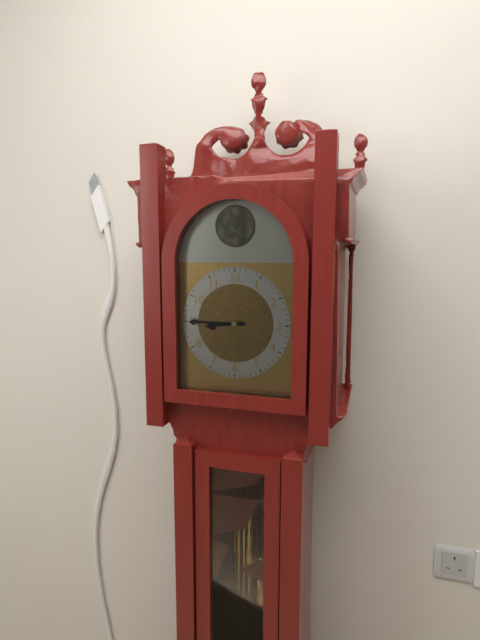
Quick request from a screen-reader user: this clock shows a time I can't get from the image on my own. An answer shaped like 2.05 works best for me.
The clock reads 8.45
